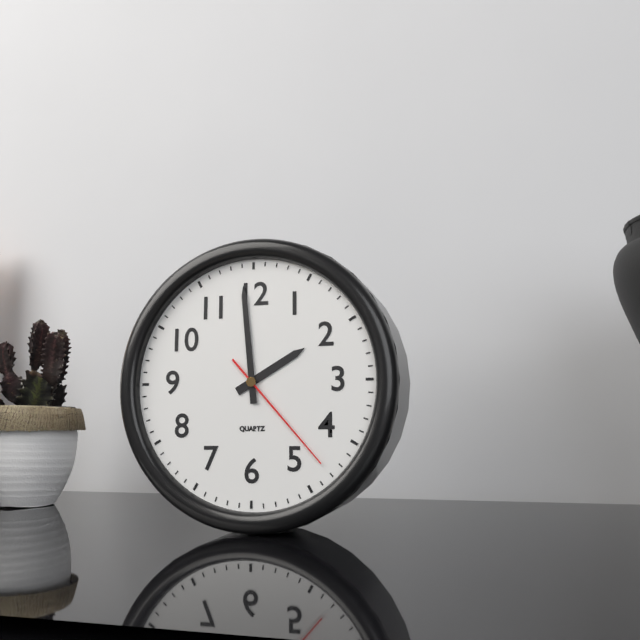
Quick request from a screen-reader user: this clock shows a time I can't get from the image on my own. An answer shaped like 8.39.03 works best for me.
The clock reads 1.59.23
